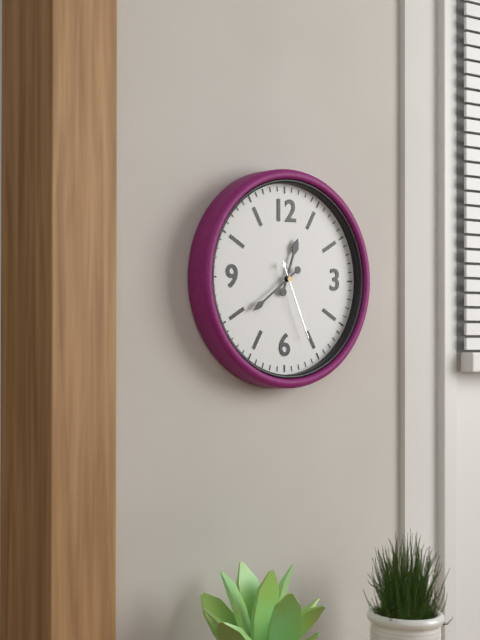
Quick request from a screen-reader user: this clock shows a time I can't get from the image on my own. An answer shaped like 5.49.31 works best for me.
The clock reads 12.39.26
